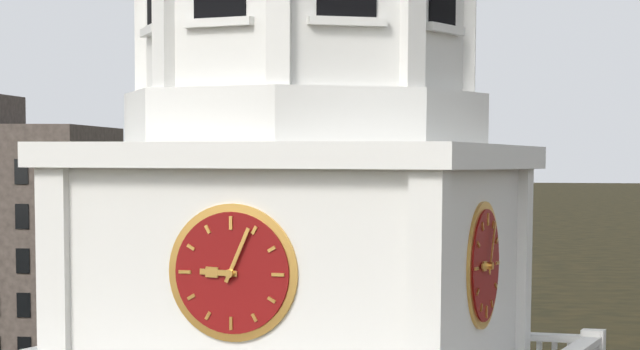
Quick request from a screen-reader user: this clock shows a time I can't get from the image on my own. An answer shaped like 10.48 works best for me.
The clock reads 9.04
